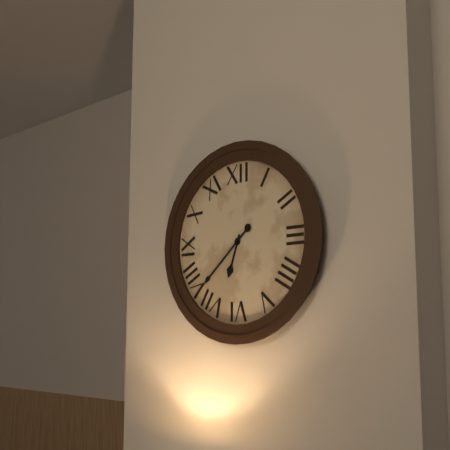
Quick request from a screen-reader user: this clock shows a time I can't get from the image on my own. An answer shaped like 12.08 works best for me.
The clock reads 6.38
